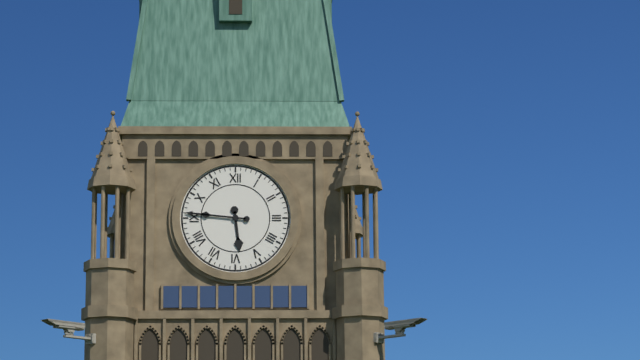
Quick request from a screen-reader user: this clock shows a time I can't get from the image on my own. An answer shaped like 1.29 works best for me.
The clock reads 5.46
